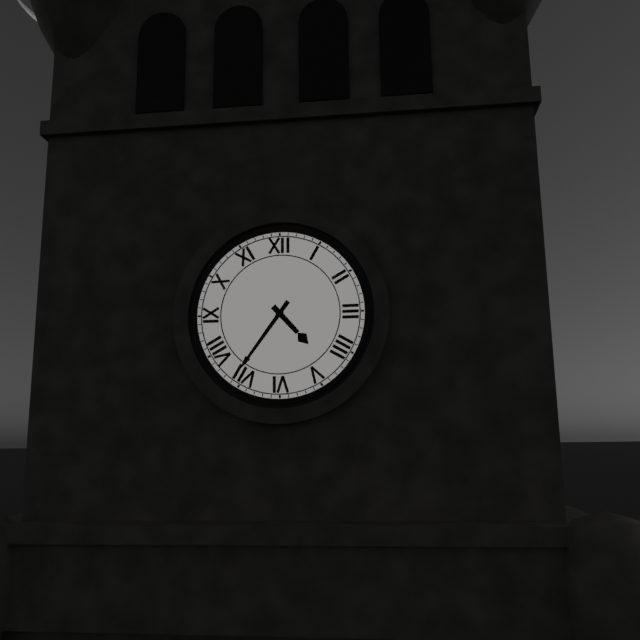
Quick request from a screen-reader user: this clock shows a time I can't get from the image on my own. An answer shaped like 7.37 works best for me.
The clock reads 4.36
